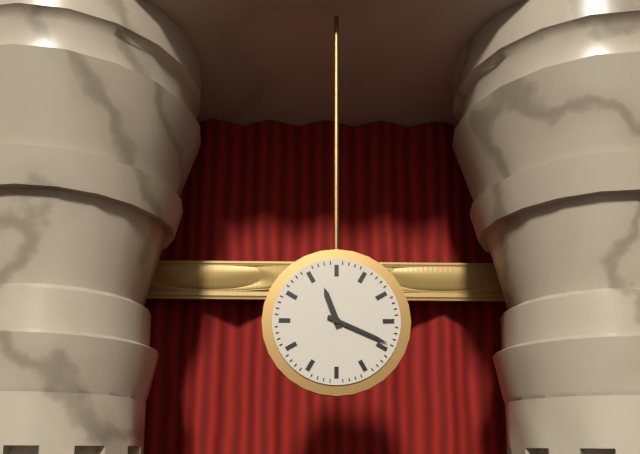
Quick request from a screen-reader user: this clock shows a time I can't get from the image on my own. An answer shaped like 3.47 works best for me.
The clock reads 11.19
